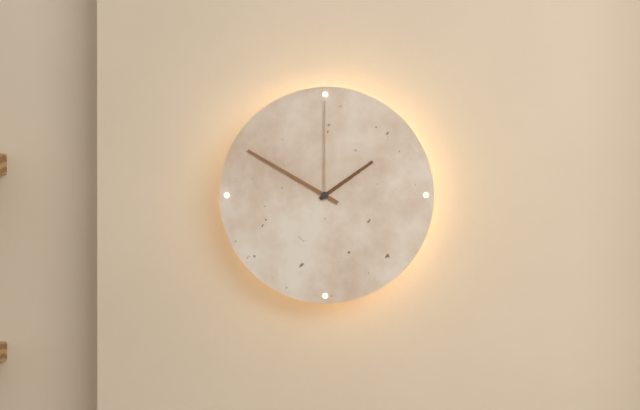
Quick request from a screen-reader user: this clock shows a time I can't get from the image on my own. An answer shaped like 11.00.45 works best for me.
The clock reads 1.50.00
